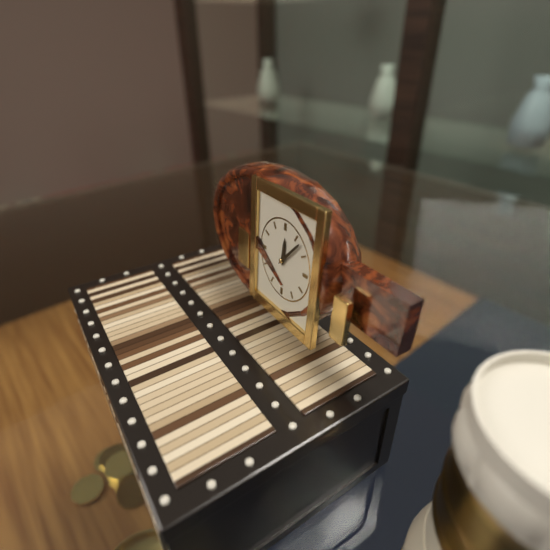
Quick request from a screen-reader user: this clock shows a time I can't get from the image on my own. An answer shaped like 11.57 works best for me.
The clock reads 12.07
